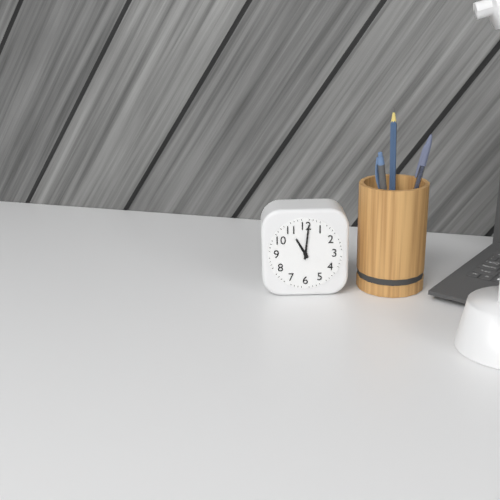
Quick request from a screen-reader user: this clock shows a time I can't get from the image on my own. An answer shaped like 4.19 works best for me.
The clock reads 11.01
